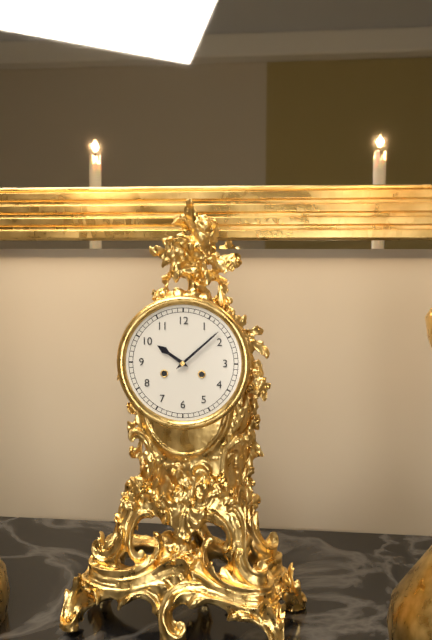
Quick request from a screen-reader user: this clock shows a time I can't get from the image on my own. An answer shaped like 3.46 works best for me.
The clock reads 10.08
